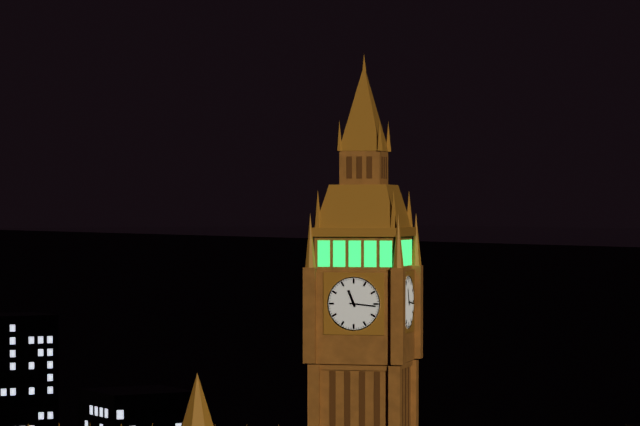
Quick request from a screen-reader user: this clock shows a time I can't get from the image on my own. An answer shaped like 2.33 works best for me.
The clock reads 11.16
